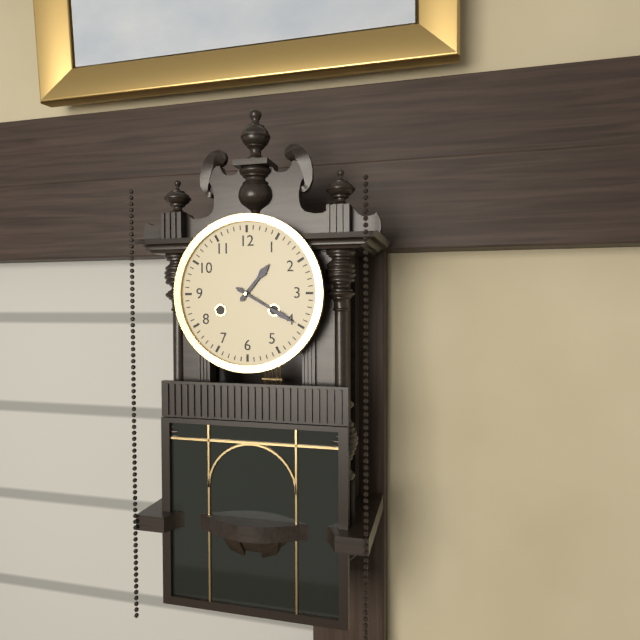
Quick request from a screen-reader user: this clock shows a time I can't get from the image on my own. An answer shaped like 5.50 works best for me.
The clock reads 1.20
